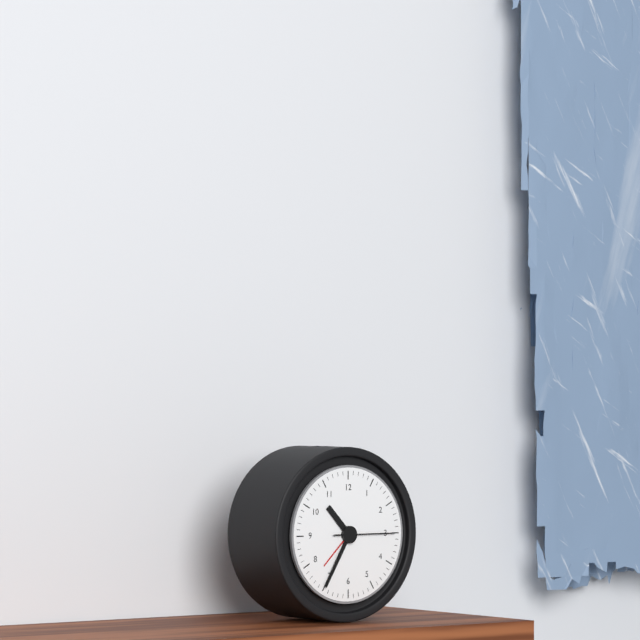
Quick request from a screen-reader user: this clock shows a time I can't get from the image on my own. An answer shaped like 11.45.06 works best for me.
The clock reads 10.35.15
